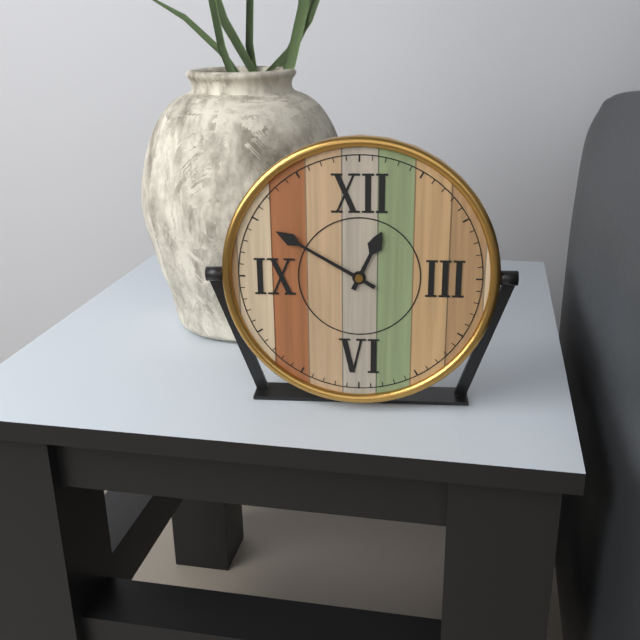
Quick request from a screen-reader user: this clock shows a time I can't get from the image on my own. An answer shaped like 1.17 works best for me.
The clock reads 12.50
